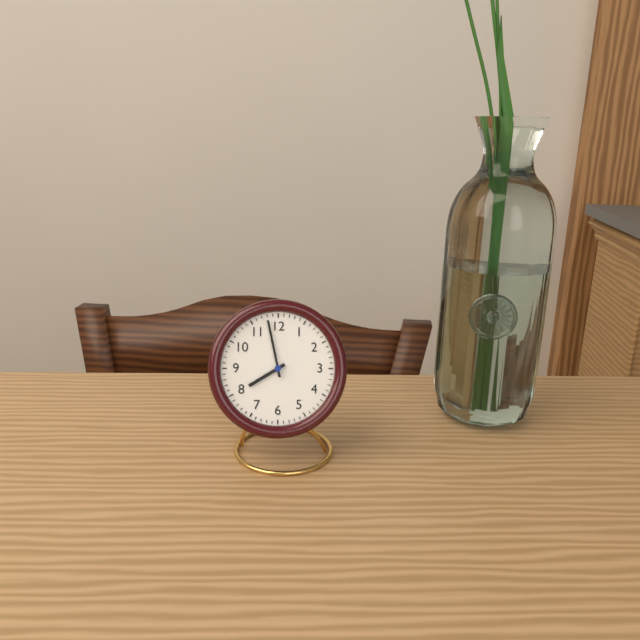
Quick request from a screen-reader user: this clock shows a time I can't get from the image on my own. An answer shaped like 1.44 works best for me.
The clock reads 7.58
